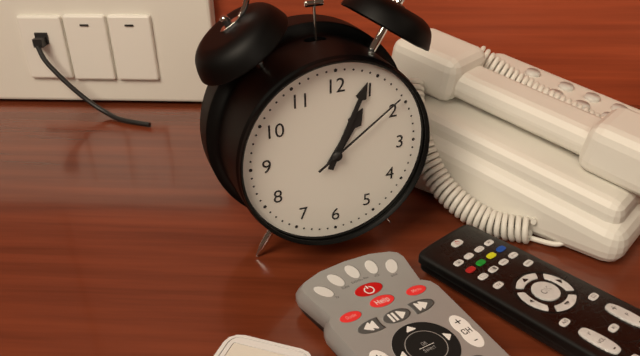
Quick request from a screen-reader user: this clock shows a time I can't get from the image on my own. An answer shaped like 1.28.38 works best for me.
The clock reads 1.04.09
